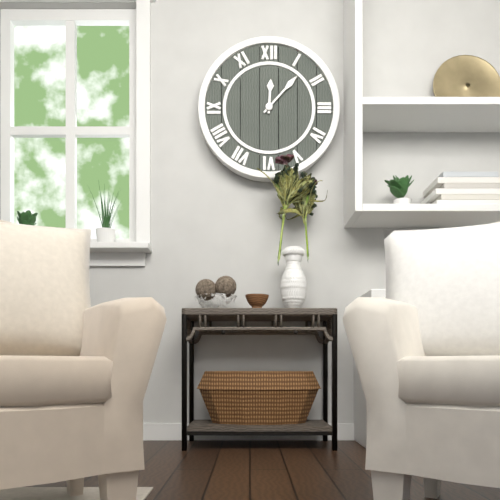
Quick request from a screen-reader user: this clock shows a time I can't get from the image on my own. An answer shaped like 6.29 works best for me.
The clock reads 12.07
